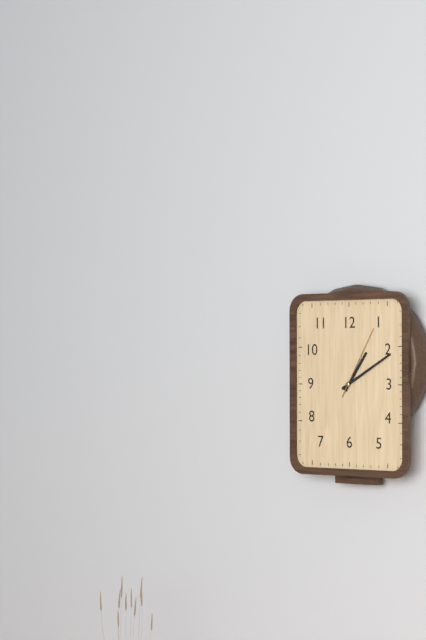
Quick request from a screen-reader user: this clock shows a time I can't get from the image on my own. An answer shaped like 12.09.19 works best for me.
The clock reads 1.10.05
